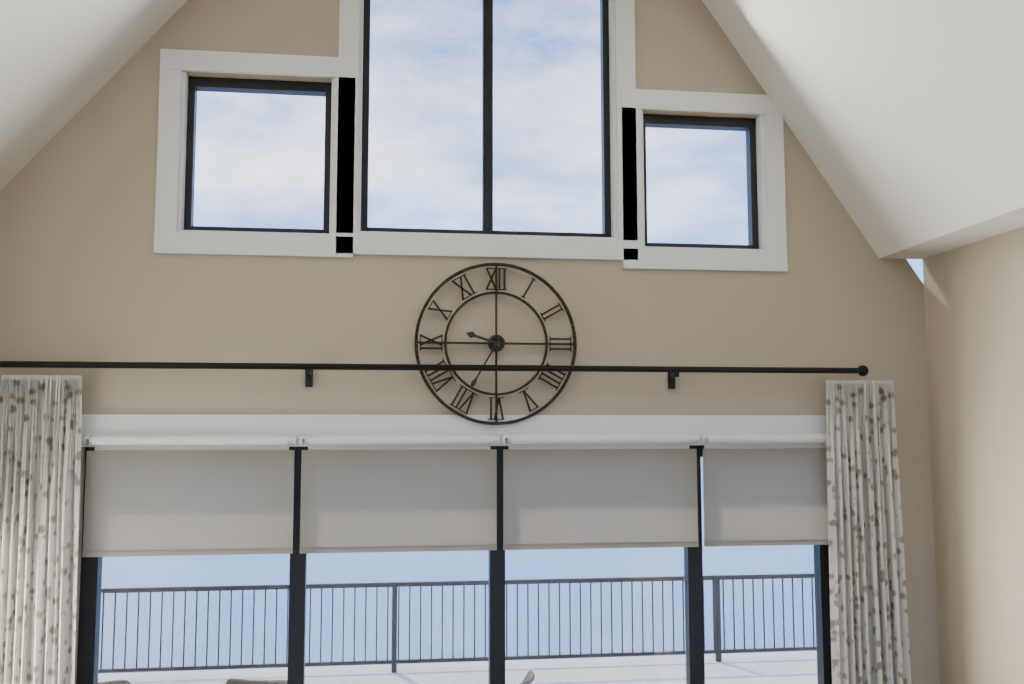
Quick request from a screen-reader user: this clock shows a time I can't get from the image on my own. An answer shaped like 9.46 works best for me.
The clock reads 9.35
